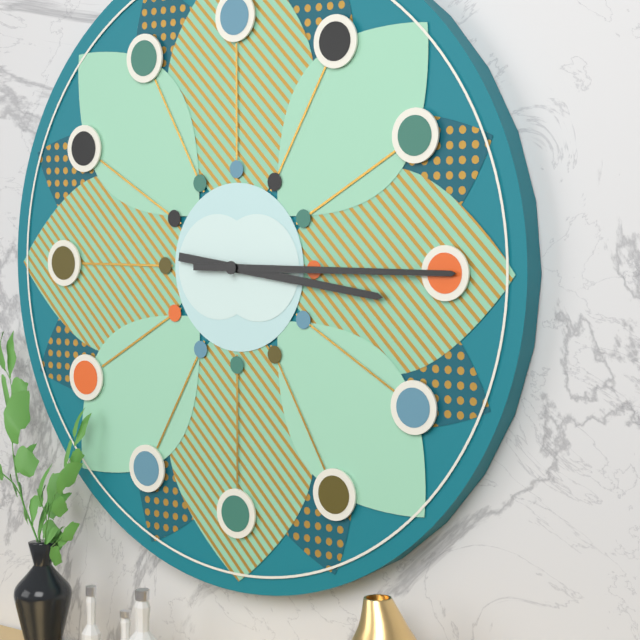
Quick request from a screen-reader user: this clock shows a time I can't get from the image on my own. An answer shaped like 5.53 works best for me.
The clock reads 3.15
